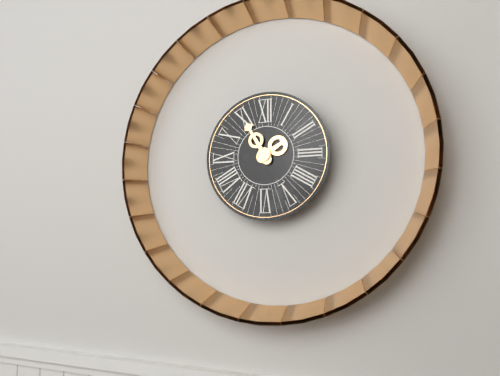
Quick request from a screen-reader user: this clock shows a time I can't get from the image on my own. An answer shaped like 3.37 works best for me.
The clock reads 1.55
